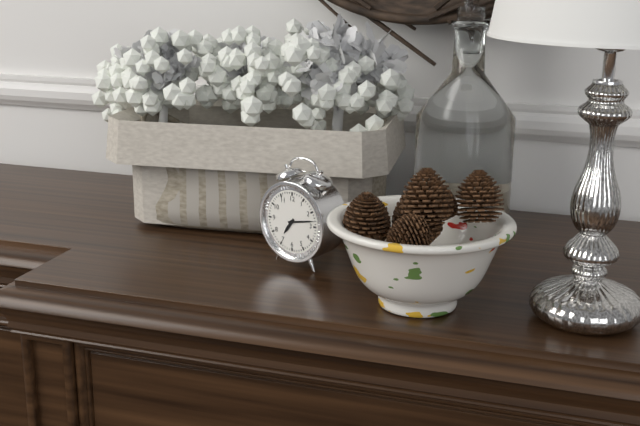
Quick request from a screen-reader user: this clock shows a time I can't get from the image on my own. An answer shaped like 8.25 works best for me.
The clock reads 7.13
